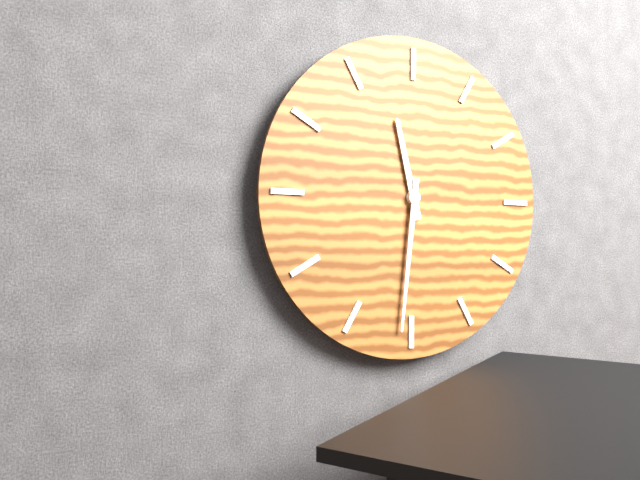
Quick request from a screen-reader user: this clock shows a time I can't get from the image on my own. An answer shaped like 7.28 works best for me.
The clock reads 11.31
